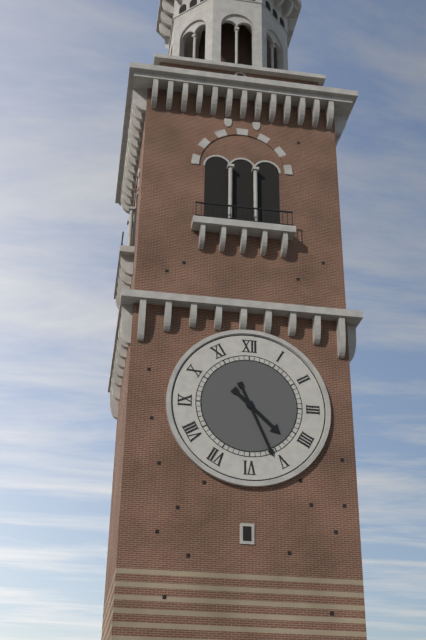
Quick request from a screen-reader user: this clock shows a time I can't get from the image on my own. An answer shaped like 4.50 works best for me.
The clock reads 4.26
